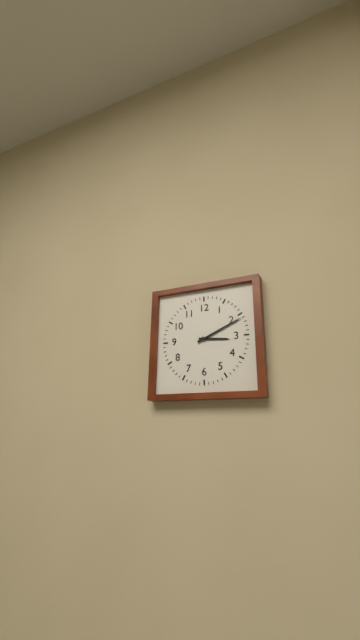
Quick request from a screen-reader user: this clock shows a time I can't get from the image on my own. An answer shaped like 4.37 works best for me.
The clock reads 3.11
